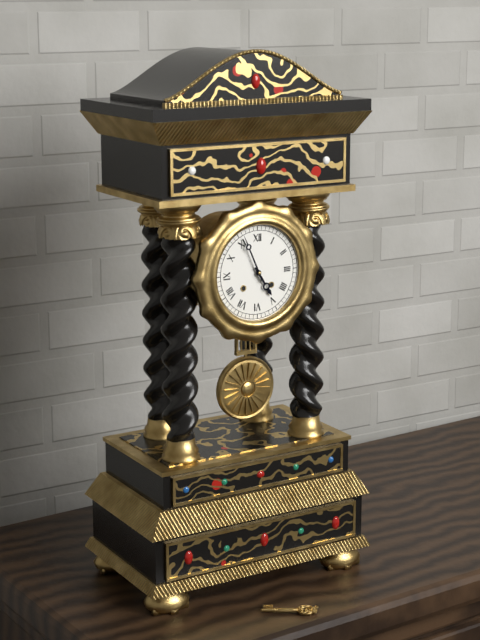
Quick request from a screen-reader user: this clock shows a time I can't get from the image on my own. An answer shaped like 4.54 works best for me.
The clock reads 4.56
